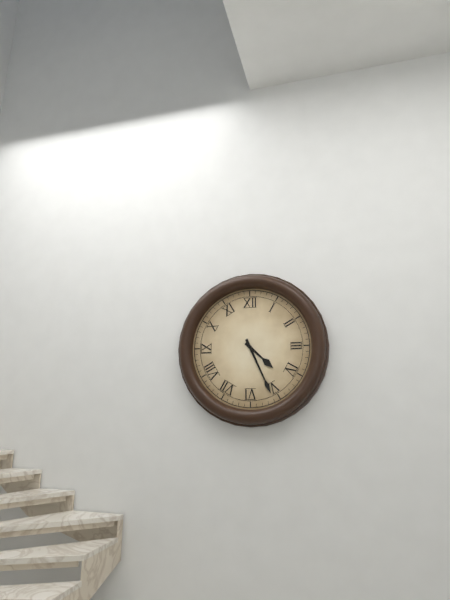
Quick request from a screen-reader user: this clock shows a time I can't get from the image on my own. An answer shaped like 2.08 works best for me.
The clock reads 4.26
